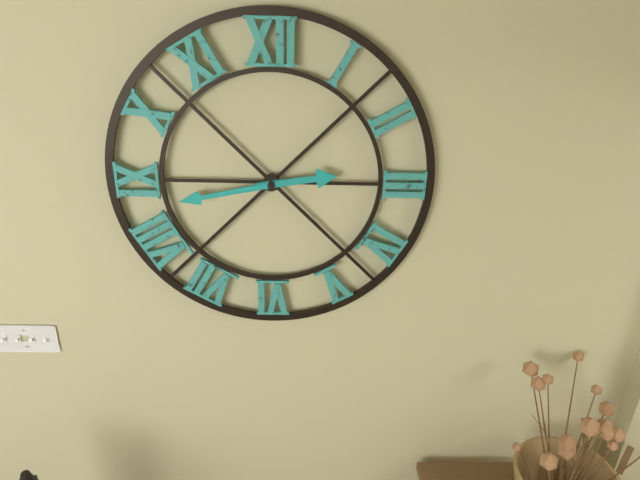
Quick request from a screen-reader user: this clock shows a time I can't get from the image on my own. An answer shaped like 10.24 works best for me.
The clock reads 2.43
